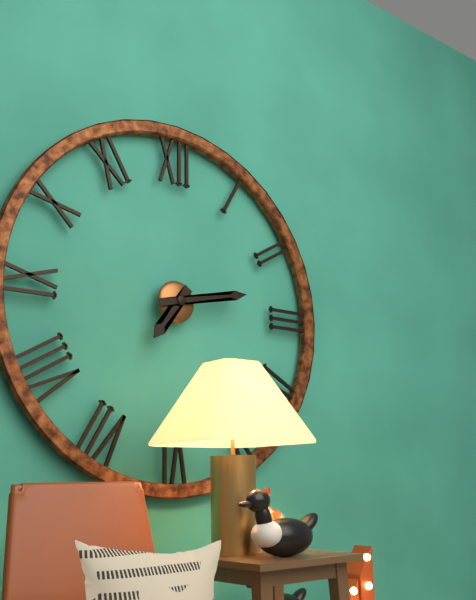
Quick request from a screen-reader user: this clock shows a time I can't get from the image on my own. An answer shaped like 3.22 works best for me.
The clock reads 7.13
